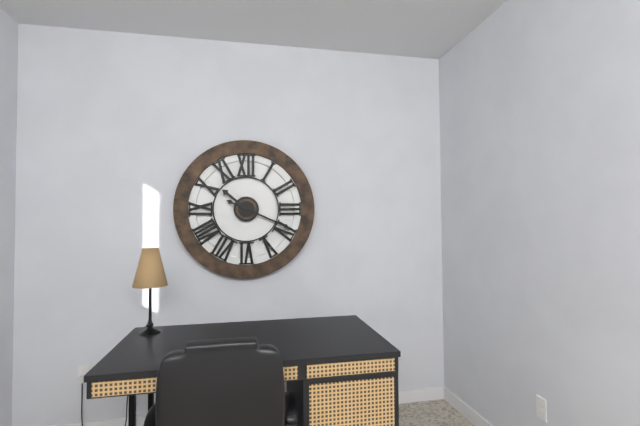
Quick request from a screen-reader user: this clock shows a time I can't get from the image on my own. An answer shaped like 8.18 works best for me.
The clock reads 10.19
